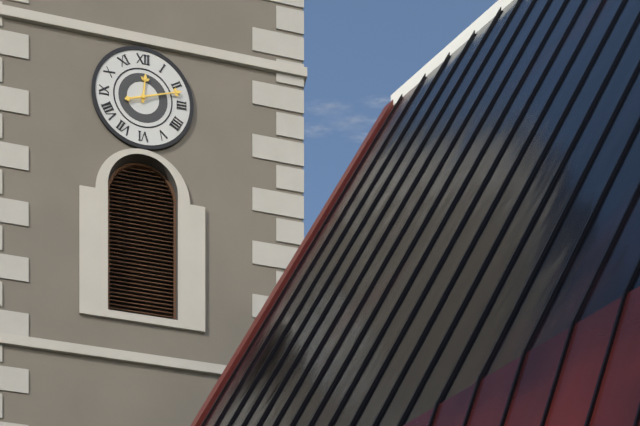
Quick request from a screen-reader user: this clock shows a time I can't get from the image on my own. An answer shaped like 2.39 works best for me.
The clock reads 12.12
